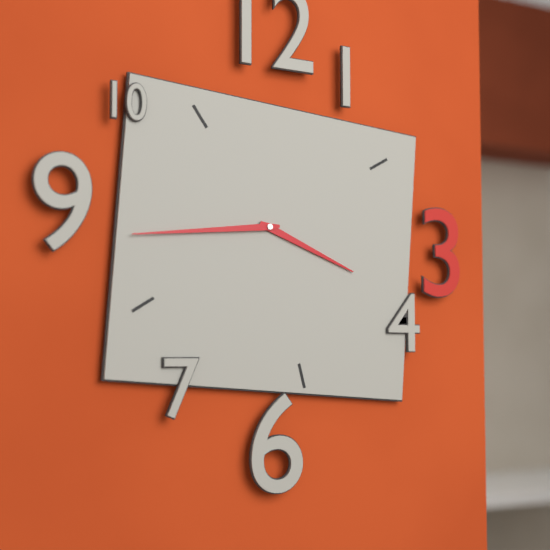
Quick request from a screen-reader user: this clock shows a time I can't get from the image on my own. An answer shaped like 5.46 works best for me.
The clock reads 3.44
